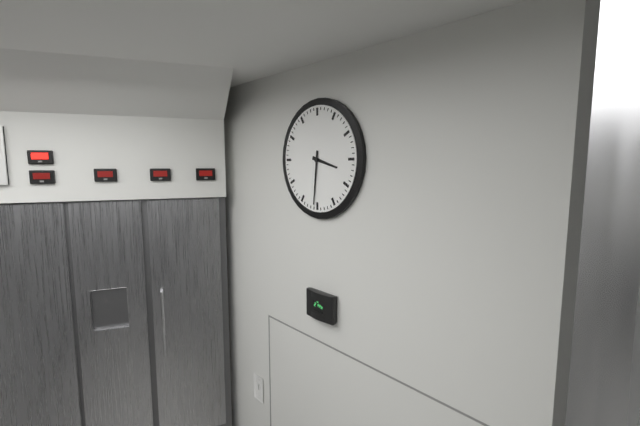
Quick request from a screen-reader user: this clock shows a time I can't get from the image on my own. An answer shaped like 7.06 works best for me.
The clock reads 3.31
